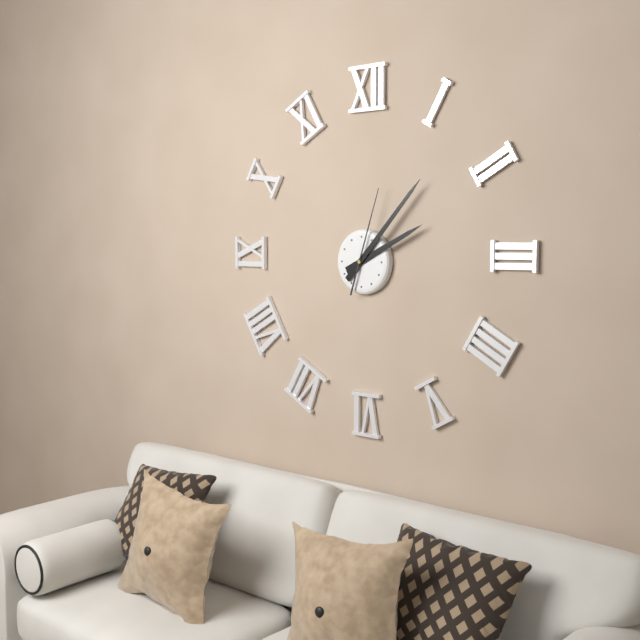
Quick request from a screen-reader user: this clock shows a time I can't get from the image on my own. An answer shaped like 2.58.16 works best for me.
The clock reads 2.07.03
